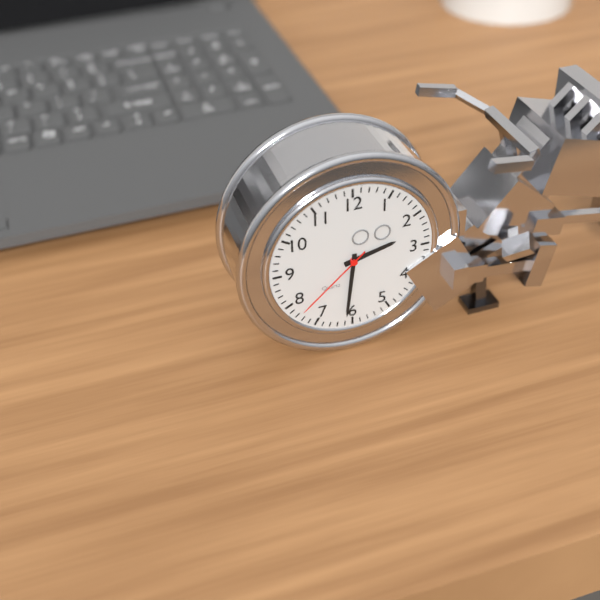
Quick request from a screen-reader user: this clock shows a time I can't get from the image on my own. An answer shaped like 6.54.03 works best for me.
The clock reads 2.31.38
